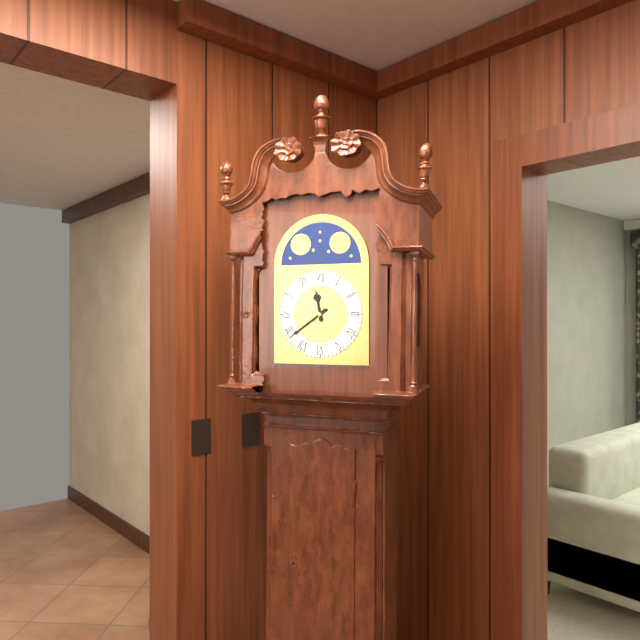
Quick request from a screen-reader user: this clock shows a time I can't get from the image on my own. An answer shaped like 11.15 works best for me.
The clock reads 11.39
